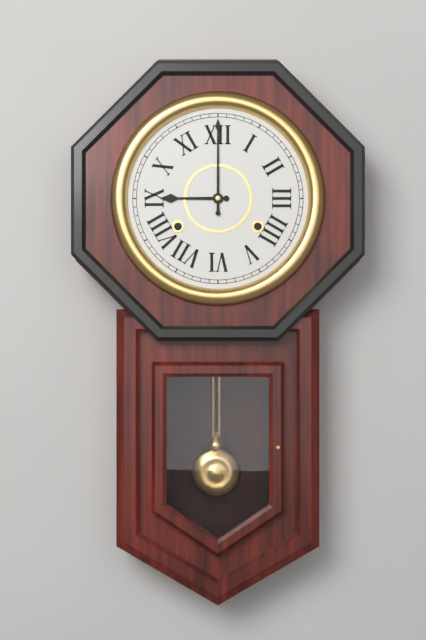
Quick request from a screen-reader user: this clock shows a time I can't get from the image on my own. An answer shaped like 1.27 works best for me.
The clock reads 9.00
